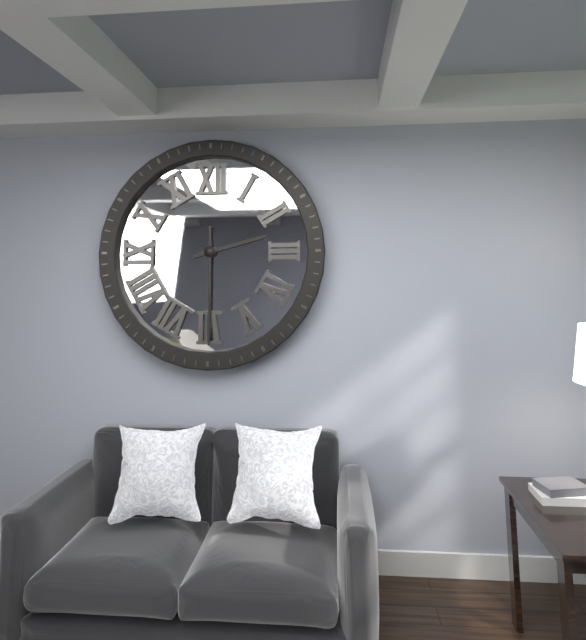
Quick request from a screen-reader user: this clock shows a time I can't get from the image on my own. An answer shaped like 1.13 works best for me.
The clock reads 2.30
